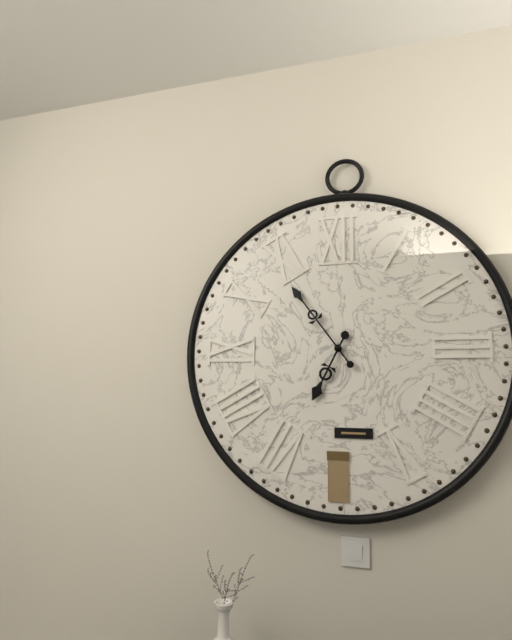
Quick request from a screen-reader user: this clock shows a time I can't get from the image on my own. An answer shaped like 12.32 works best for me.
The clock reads 6.54
